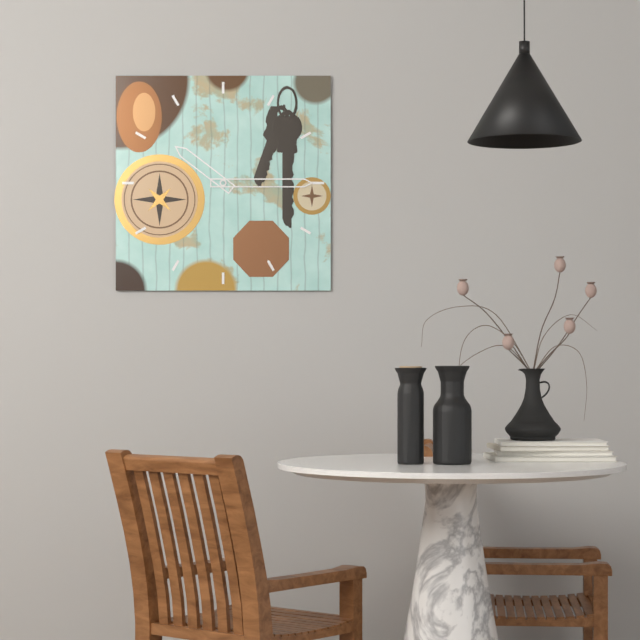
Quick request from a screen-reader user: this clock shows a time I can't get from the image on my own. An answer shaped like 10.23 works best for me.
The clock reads 10.15
